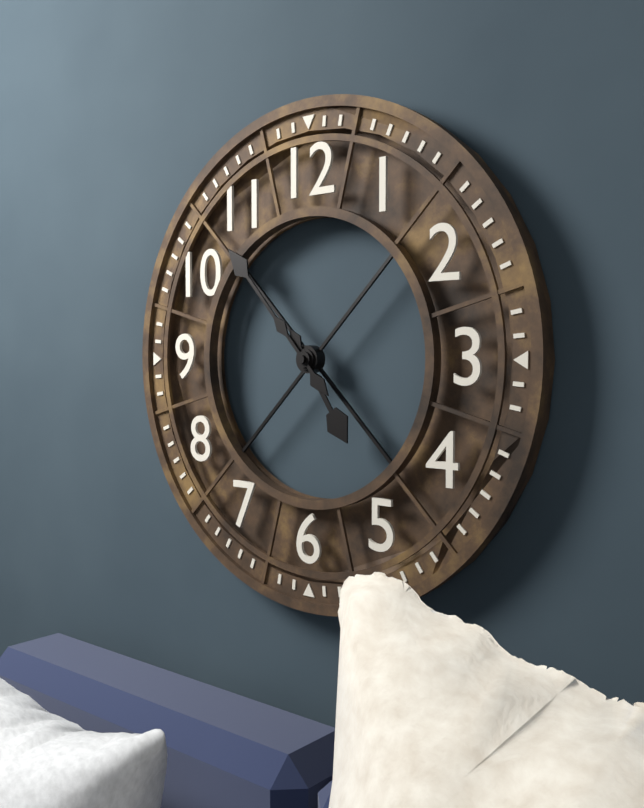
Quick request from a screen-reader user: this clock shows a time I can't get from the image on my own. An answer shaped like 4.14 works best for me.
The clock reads 4.53
